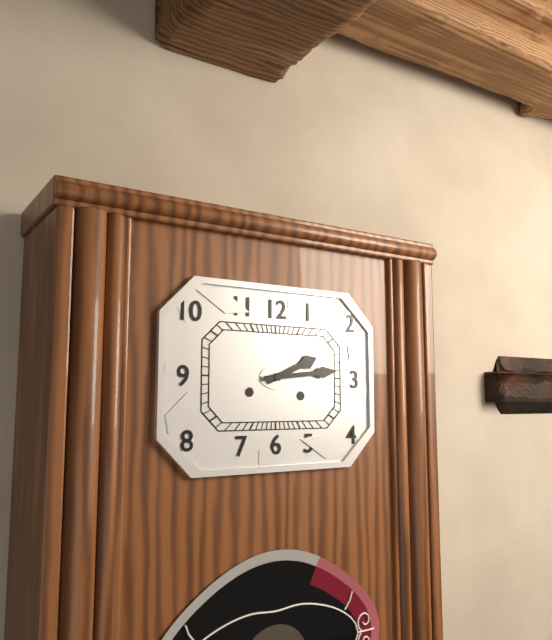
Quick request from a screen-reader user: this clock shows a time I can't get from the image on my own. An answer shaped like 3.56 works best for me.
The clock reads 2.14
